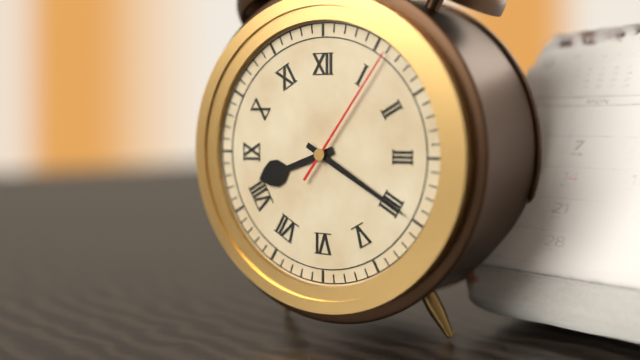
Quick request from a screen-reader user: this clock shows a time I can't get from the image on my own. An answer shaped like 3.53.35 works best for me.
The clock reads 8.20.06
